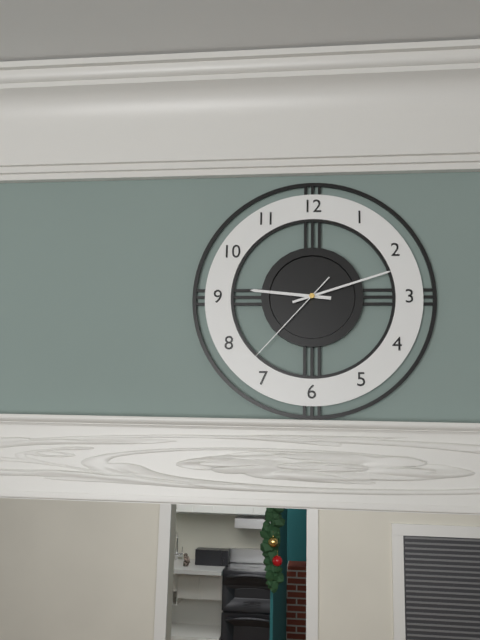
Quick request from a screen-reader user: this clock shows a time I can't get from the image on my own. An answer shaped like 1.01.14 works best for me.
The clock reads 9.12.37
